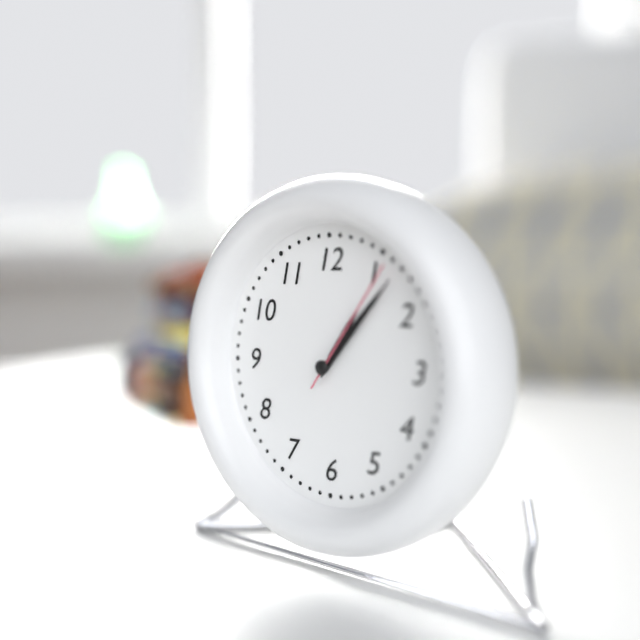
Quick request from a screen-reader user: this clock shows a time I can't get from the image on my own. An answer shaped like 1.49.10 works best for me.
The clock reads 1.07.06
